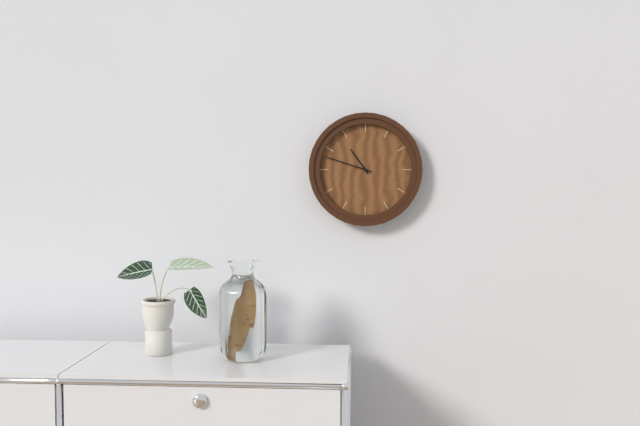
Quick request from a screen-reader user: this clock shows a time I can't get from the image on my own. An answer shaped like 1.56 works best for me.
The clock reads 10.48
